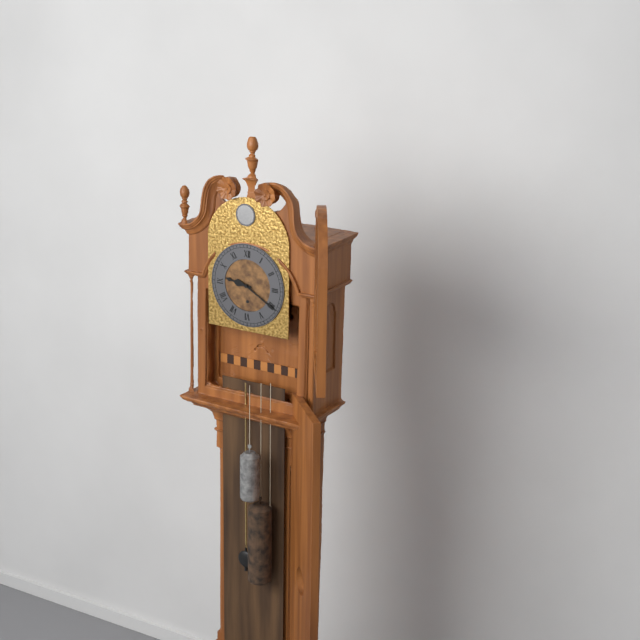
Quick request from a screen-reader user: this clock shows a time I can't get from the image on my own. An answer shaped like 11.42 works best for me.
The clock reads 9.20
